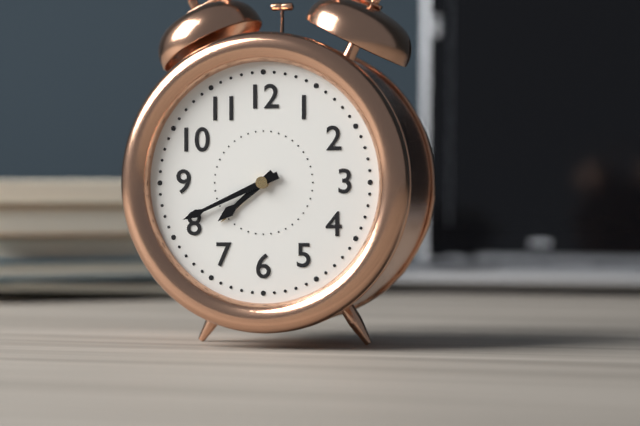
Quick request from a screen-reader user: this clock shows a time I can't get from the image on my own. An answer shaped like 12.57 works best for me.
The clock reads 7.41
